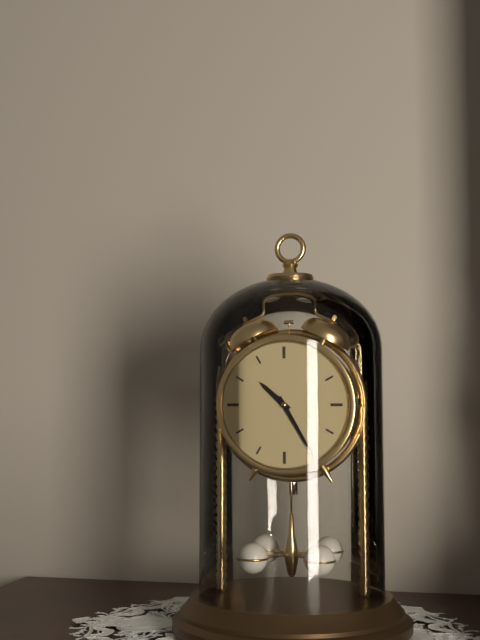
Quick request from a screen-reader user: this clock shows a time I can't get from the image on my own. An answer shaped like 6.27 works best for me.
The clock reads 10.25
